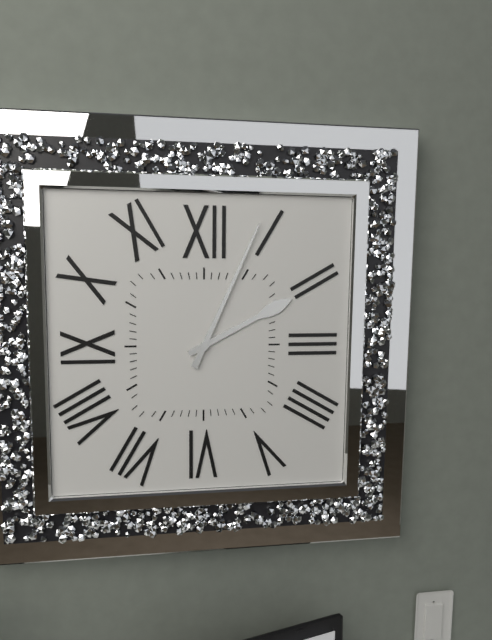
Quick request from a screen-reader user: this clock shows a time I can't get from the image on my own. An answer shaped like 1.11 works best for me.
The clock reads 2.04
